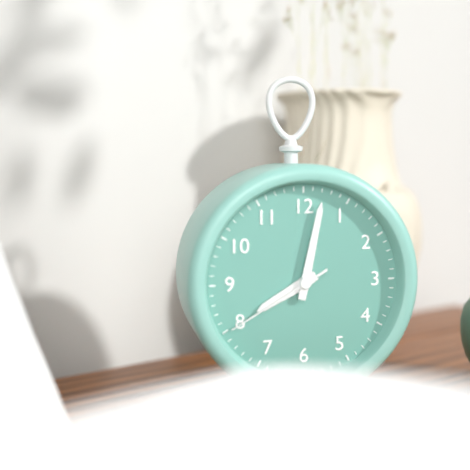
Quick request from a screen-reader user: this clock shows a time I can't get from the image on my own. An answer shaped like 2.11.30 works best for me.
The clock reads 8.02.40
